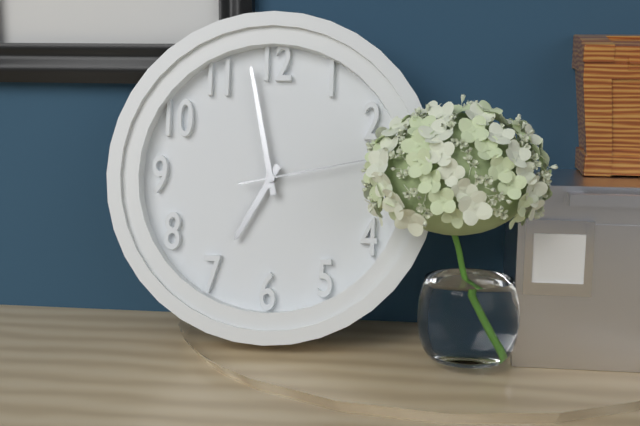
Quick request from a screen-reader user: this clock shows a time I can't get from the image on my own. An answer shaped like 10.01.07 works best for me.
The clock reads 6.58.13
